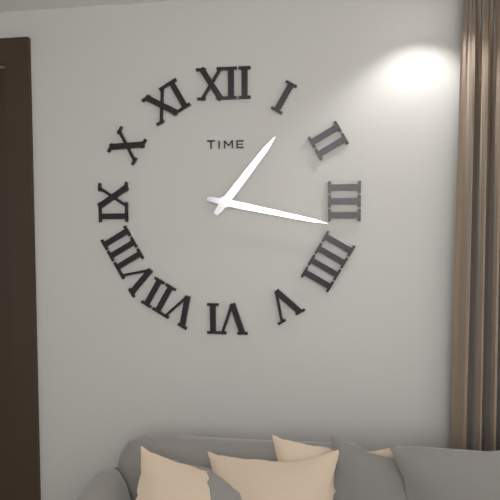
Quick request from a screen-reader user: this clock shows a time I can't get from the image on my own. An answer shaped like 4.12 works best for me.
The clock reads 1.17
